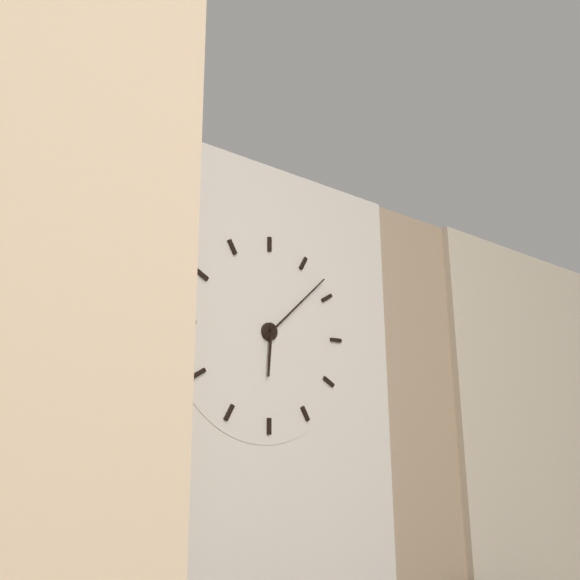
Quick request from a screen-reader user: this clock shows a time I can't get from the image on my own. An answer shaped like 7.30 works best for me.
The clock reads 6.08
